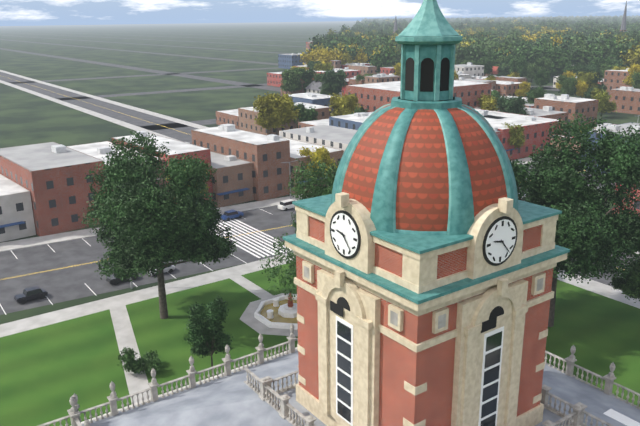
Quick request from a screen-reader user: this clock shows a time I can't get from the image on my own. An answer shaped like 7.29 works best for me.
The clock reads 9.23
